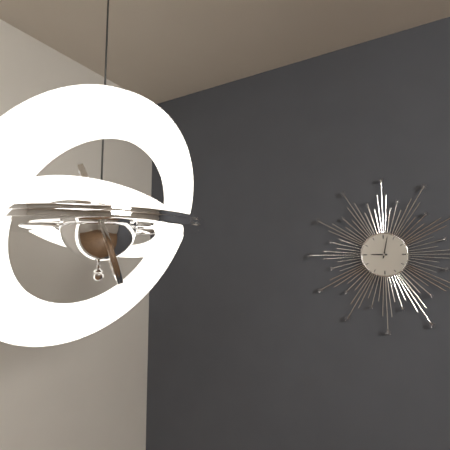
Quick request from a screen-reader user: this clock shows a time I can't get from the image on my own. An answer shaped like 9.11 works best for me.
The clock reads 9.02
